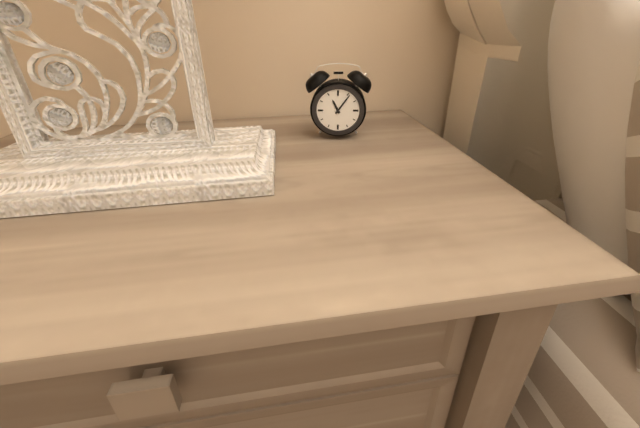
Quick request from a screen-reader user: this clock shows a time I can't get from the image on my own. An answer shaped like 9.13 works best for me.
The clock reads 11.06
